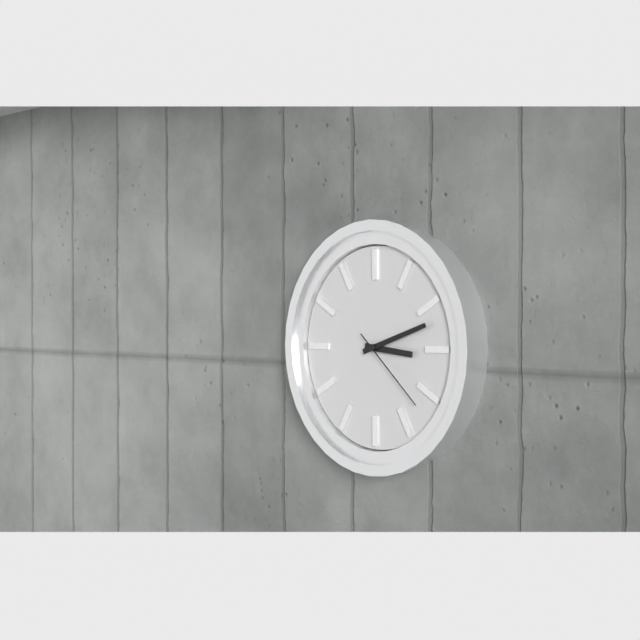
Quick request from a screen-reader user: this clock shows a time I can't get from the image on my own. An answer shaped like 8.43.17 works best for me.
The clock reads 3.12.22
